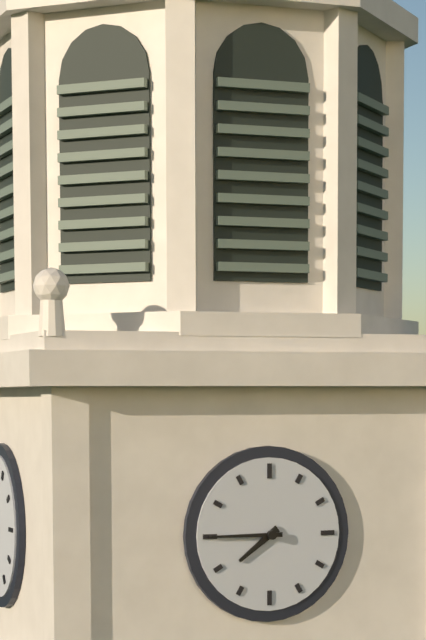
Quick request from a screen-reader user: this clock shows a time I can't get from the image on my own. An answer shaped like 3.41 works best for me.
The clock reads 7.45
